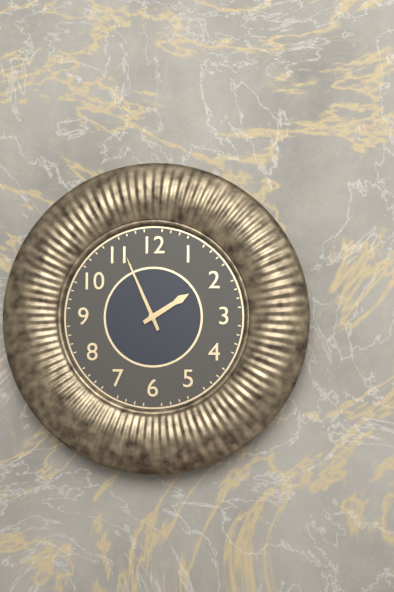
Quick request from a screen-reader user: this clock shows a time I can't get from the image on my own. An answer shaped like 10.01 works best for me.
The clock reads 1.56
